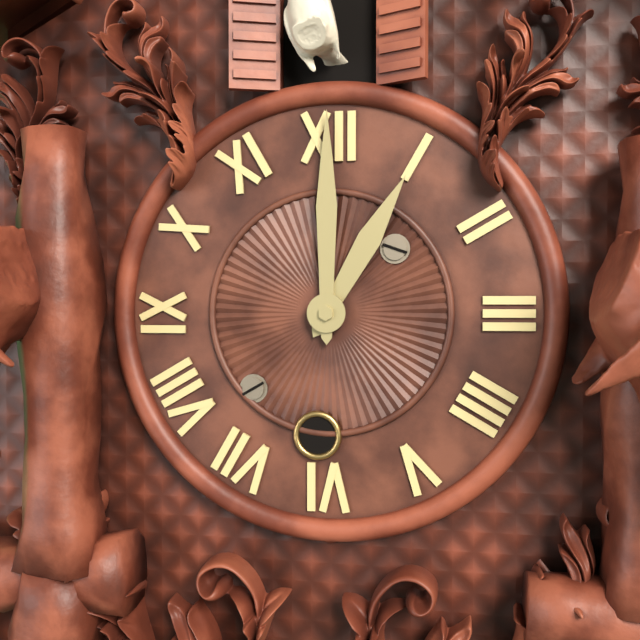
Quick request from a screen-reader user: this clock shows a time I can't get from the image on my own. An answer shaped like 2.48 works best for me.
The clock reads 1.00
